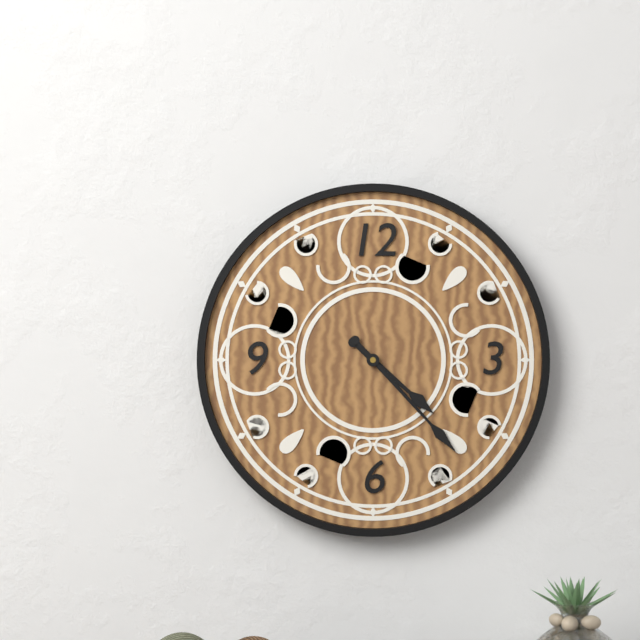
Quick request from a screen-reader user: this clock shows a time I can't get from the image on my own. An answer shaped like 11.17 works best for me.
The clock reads 4.23
